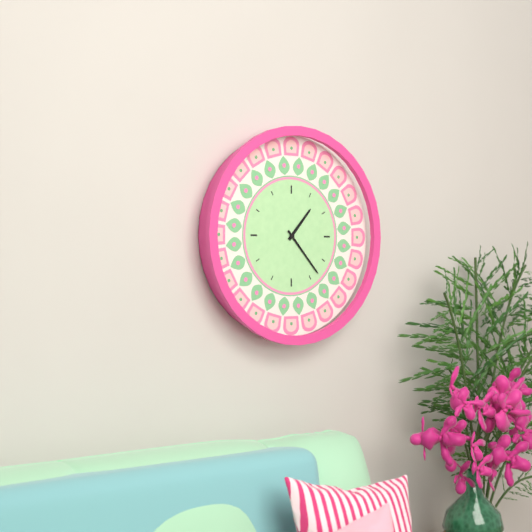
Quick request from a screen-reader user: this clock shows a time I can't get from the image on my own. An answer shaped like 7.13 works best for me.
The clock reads 1.23
